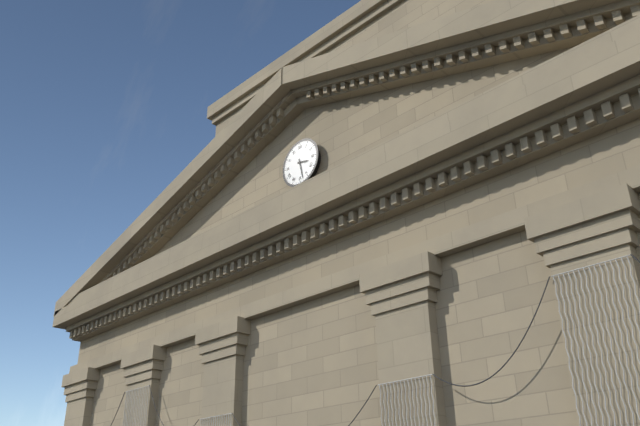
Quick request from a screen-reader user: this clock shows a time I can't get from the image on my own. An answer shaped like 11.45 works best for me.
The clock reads 3.28
